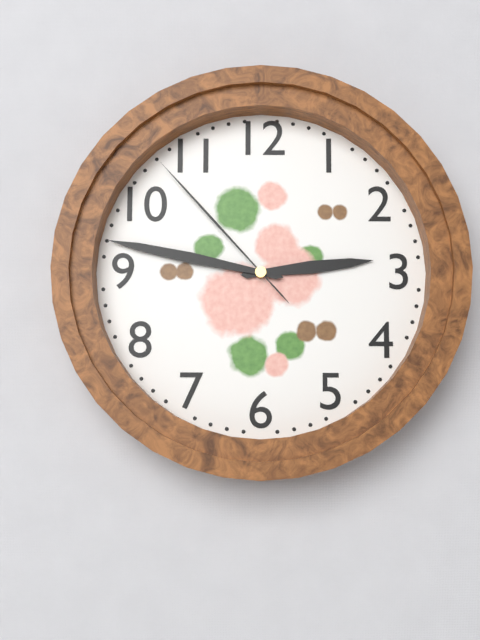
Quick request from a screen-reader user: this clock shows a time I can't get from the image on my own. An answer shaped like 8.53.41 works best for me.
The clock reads 2.47.53
